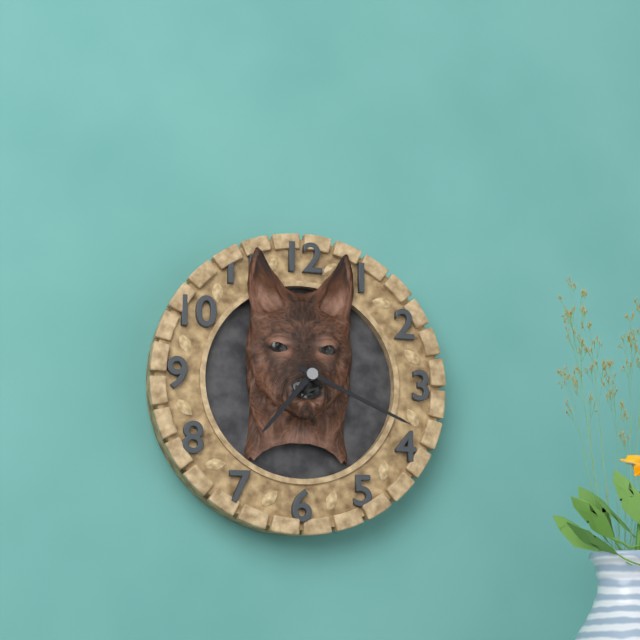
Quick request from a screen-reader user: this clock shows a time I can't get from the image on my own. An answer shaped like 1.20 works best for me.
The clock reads 7.19
